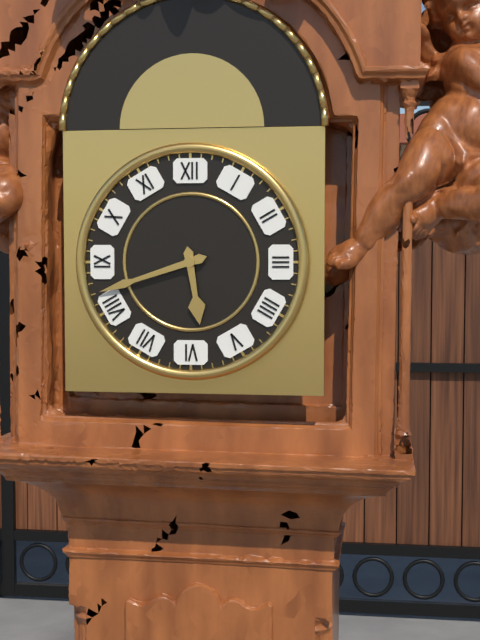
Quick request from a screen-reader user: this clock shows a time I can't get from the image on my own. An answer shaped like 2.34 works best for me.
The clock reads 5.42
